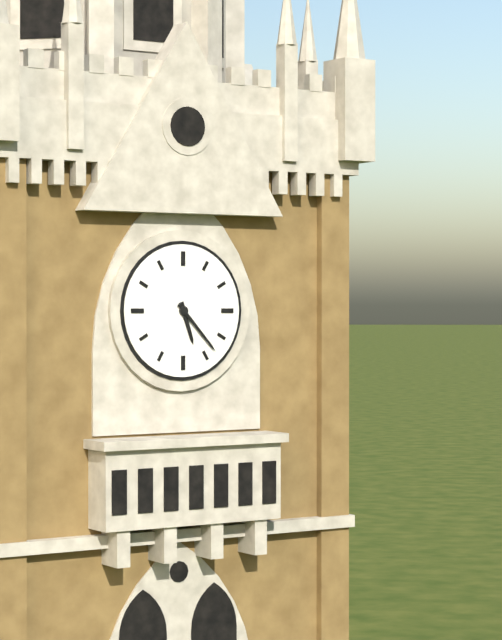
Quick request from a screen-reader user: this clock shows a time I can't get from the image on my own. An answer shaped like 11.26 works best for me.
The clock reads 5.23
